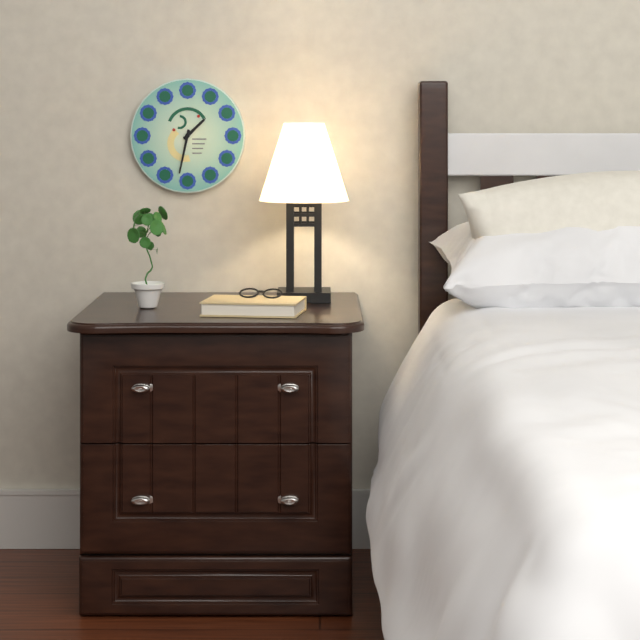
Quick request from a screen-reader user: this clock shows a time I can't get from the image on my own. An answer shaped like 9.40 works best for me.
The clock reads 1.32
